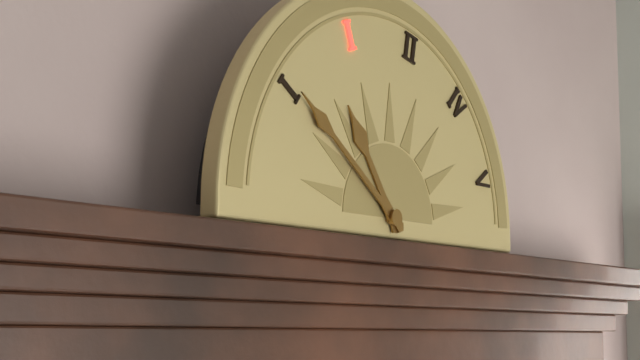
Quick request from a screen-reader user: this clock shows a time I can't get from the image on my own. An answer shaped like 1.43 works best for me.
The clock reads 10.51
